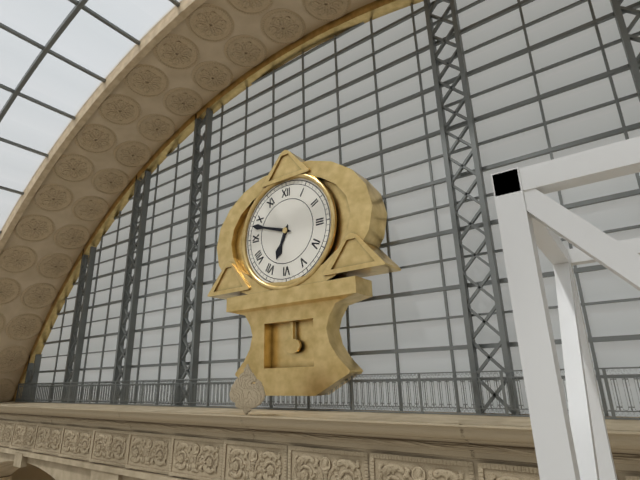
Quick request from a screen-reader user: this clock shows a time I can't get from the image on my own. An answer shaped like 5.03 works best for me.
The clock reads 6.48
